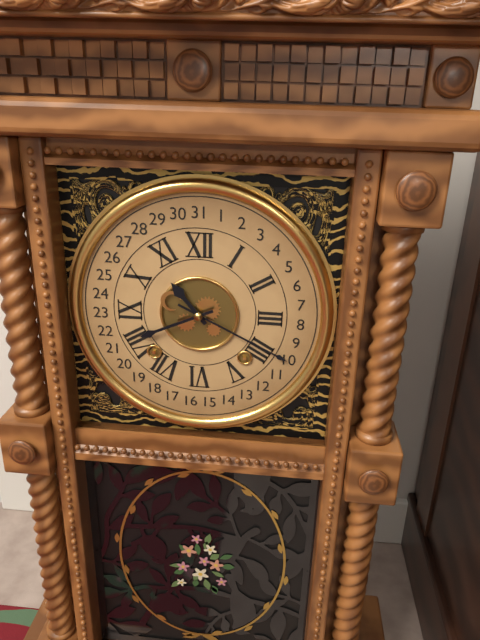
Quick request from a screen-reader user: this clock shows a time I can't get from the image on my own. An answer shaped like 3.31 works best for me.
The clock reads 10.41
